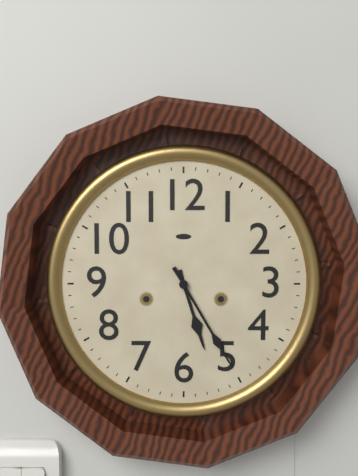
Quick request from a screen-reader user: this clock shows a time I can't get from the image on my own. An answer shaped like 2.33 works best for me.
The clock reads 5.25
